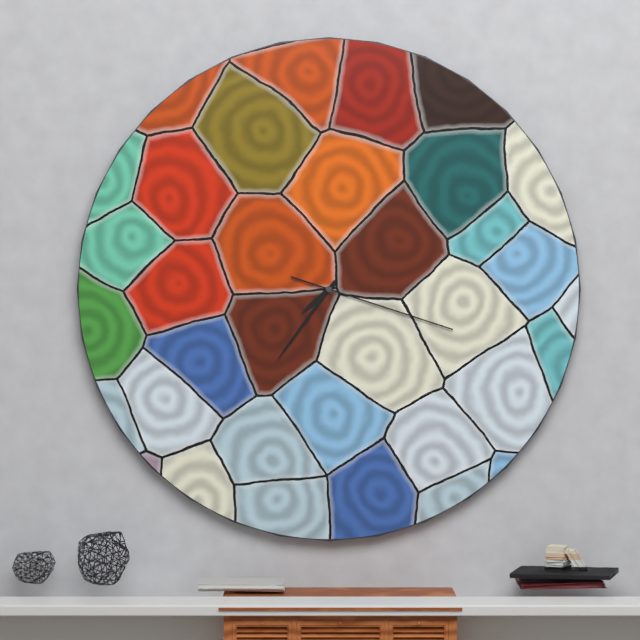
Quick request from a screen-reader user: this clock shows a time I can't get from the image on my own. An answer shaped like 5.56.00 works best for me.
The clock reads 7.36.18
